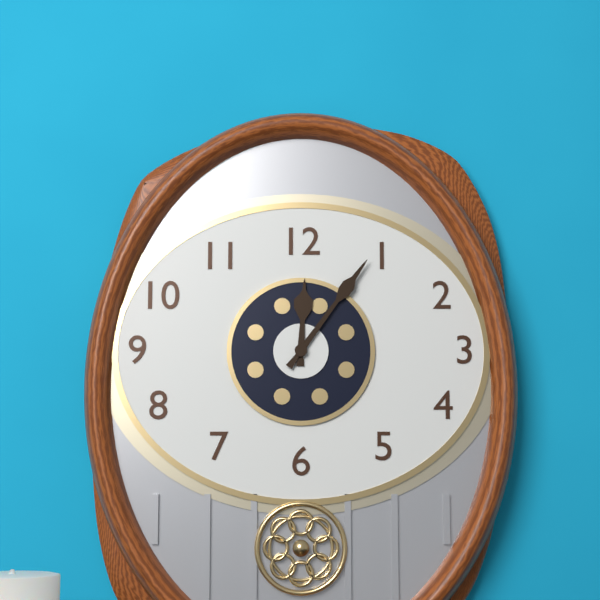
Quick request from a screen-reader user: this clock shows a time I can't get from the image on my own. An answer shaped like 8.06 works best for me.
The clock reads 12.06
